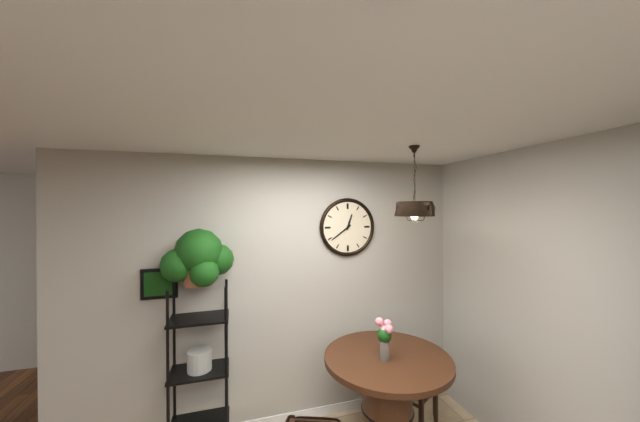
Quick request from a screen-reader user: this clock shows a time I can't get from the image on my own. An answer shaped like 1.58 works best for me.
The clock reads 12.39
